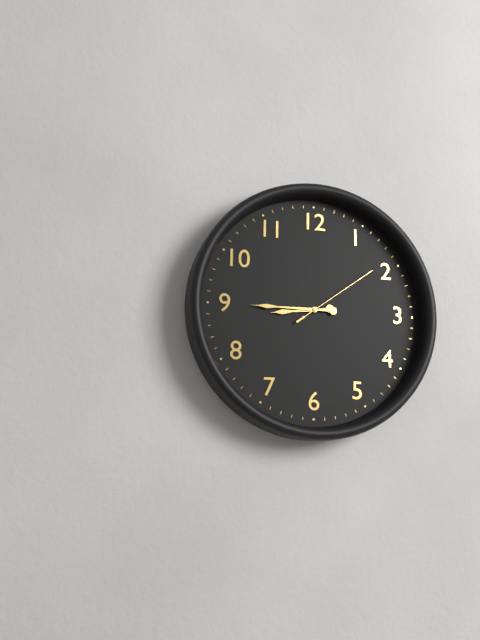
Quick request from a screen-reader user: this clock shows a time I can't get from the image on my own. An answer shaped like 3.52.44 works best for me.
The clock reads 8.45.09
